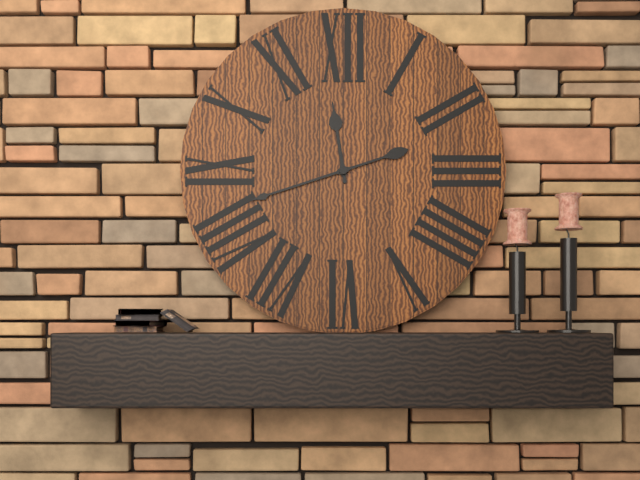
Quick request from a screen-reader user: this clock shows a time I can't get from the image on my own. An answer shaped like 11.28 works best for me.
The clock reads 11.42
